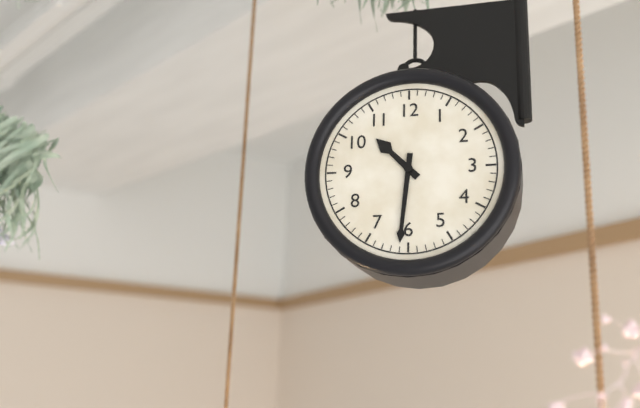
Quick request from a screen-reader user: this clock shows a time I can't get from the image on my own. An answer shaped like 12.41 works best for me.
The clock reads 10.31
